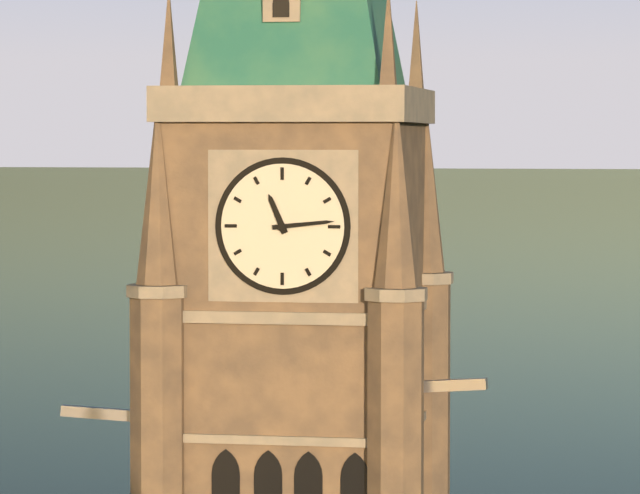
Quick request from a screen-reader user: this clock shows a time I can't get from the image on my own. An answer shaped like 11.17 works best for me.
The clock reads 11.14
